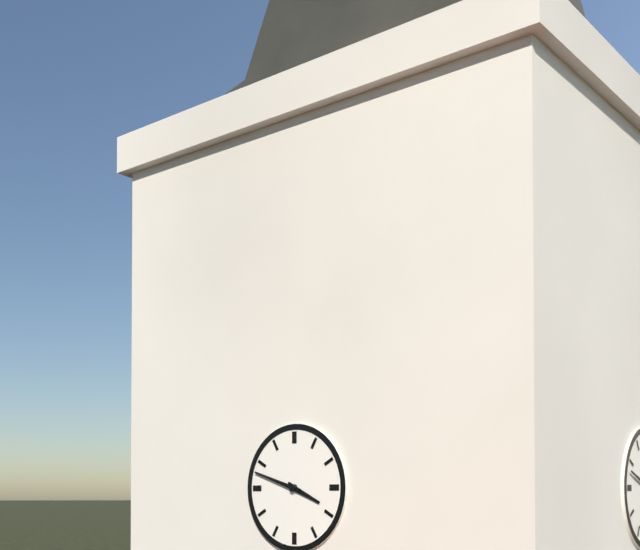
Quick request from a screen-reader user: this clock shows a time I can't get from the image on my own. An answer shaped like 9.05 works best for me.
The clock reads 3.48
